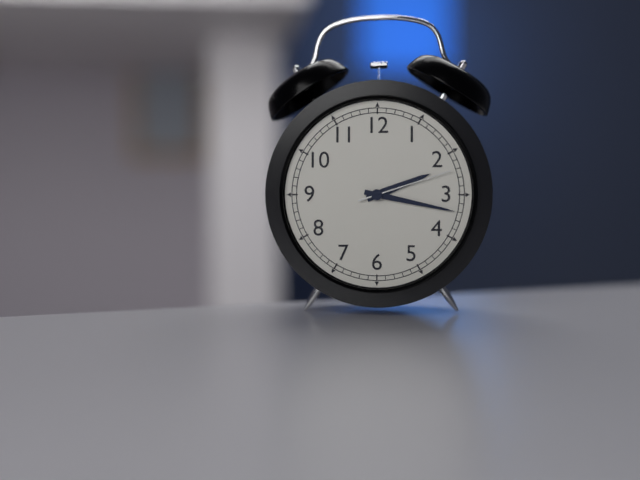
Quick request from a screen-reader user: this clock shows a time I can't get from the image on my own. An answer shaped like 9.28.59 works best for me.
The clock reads 2.17.12
